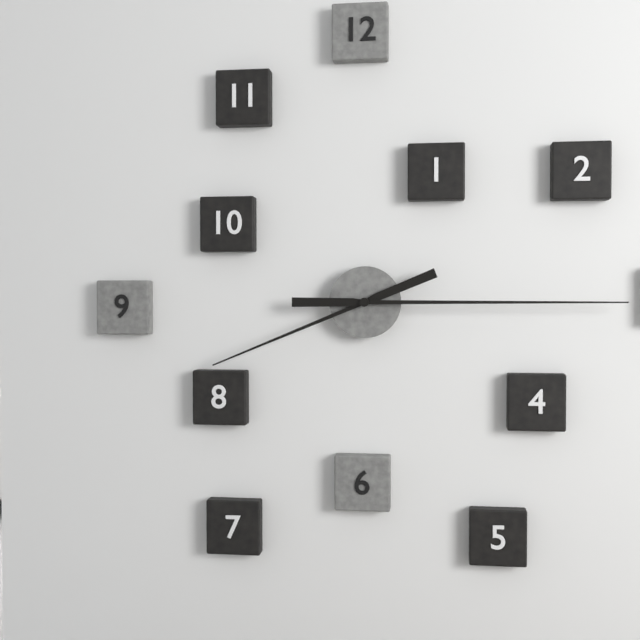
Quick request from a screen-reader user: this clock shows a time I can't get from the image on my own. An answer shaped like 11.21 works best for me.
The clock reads 8.15
